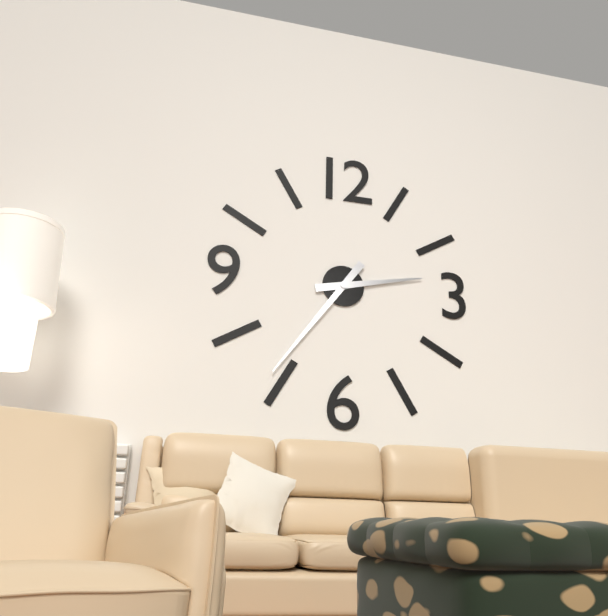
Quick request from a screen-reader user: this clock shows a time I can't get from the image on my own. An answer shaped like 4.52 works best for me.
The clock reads 2.36
